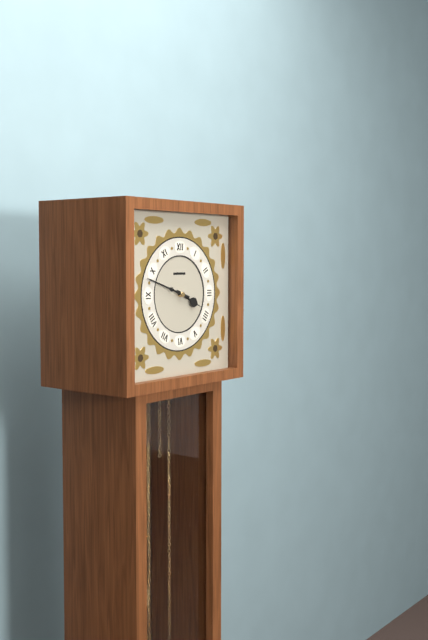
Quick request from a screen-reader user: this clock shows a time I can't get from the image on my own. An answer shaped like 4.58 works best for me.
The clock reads 3.48
